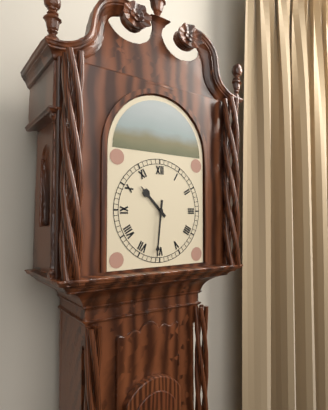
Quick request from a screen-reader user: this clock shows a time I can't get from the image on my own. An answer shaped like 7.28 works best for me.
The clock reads 10.31
